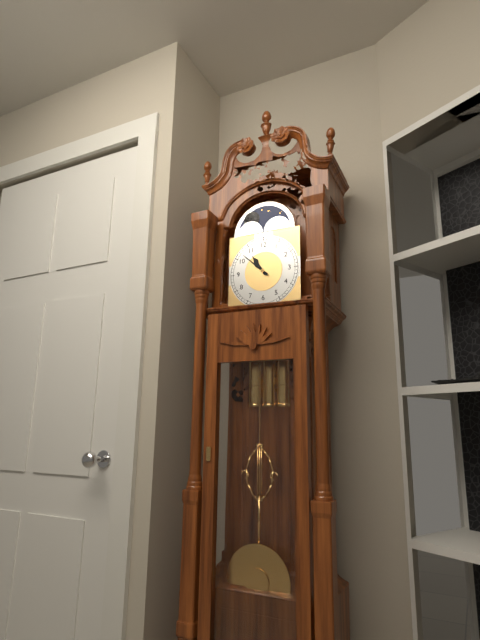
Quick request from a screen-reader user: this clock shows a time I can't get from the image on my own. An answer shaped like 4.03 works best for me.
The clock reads 10.52
